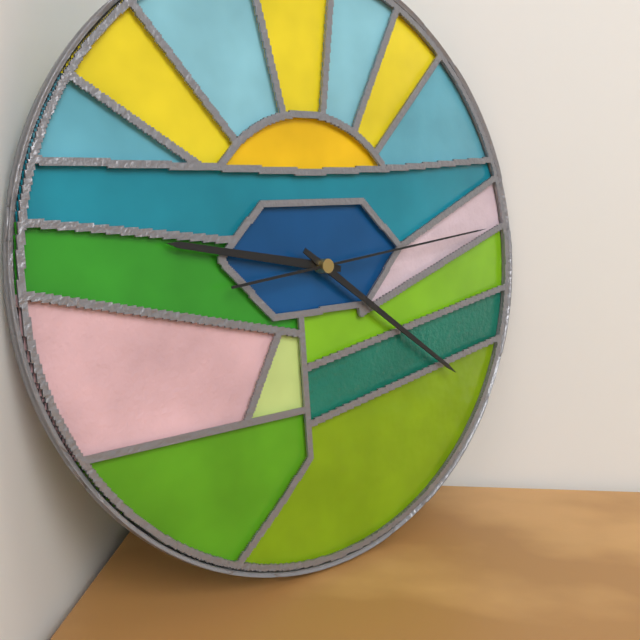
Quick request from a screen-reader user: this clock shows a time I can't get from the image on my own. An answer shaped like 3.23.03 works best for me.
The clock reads 9.21.14
